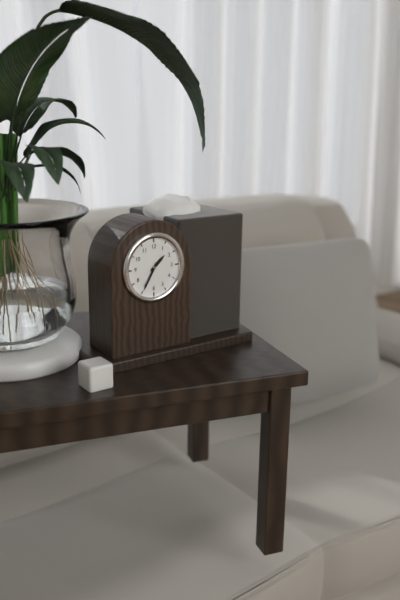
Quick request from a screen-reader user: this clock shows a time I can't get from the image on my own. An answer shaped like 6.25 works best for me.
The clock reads 1.35
